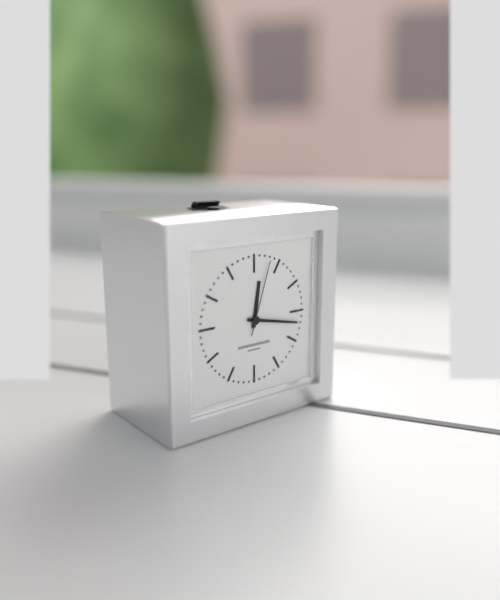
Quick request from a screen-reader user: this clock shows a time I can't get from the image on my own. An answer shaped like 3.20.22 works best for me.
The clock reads 12.17.03
